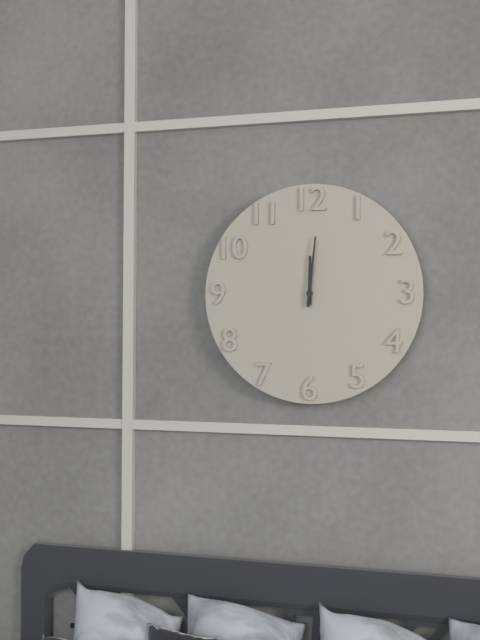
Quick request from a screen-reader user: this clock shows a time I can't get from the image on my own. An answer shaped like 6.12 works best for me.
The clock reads 12.01
